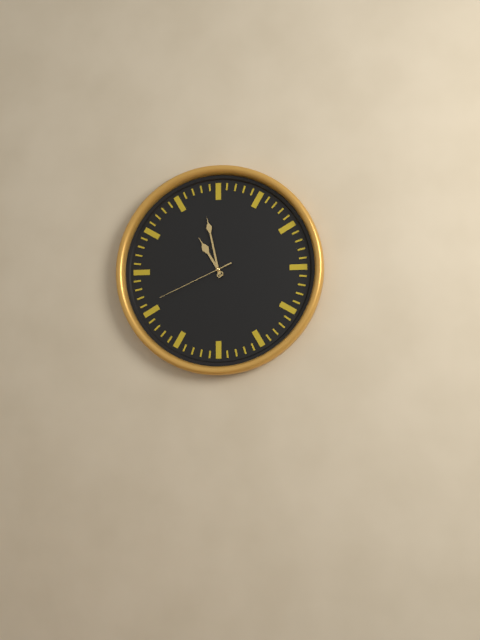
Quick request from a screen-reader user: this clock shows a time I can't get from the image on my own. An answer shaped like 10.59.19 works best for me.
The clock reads 10.58.41
